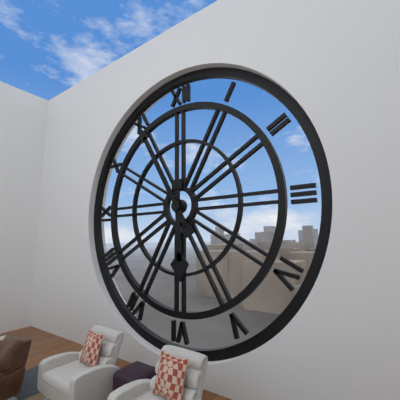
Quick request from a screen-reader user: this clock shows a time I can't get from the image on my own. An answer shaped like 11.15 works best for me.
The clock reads 5.55
